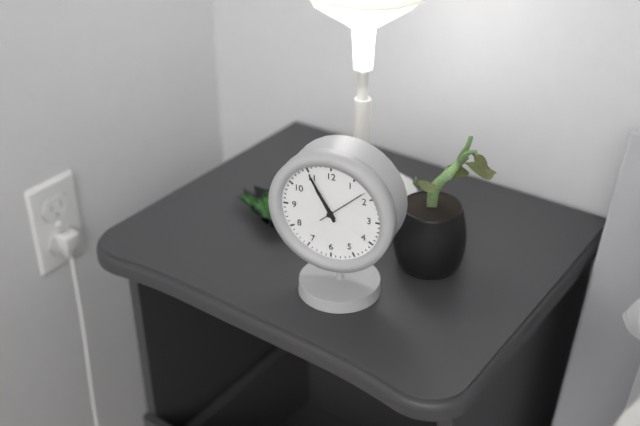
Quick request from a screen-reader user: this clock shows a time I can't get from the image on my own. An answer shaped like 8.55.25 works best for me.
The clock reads 10.55.08
